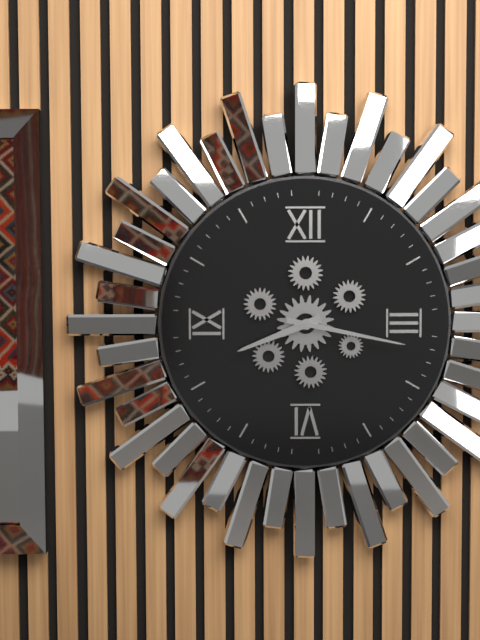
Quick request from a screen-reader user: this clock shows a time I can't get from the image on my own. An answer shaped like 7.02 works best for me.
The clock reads 8.17
